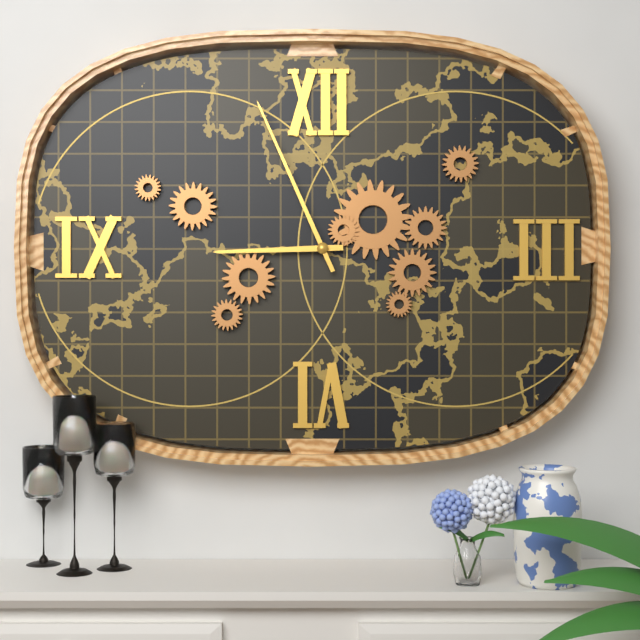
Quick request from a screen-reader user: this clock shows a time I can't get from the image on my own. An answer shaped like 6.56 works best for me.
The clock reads 8.56
